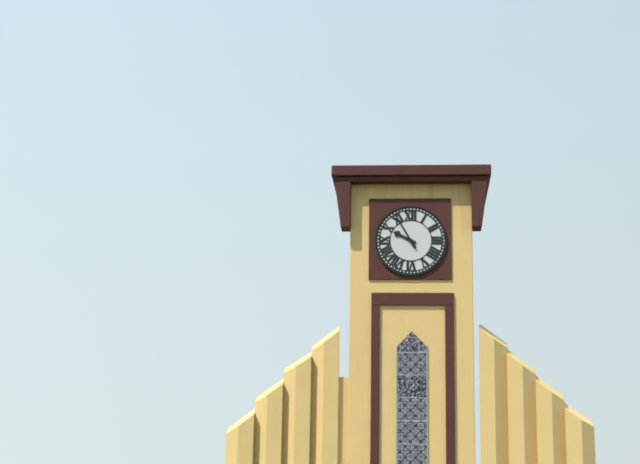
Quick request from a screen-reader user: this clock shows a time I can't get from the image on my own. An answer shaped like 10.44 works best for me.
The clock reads 9.55
